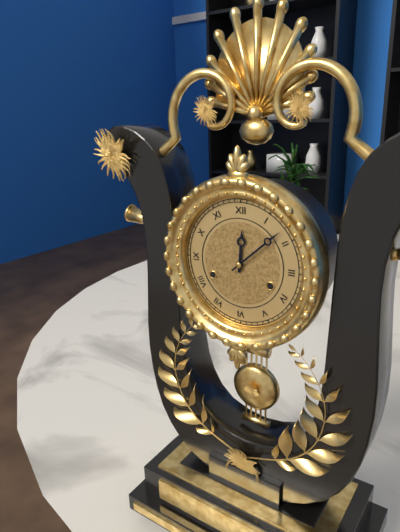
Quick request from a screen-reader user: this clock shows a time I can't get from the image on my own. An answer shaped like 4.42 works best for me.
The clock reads 12.08
